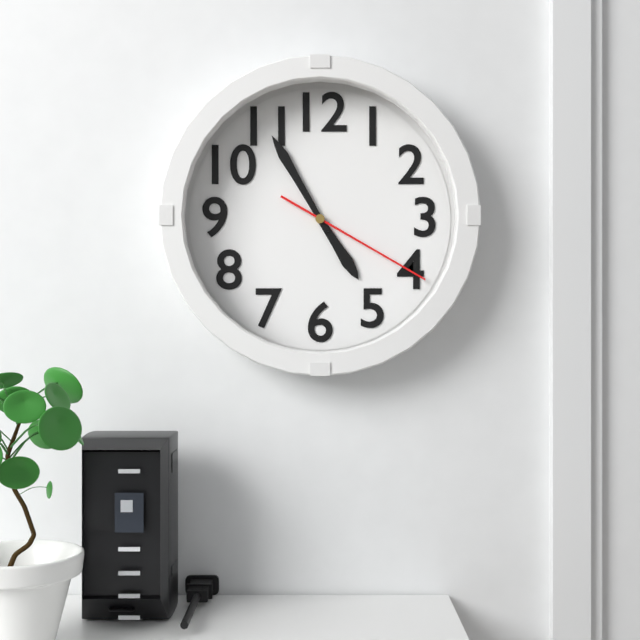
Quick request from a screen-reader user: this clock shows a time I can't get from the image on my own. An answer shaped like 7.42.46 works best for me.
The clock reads 4.55.20
